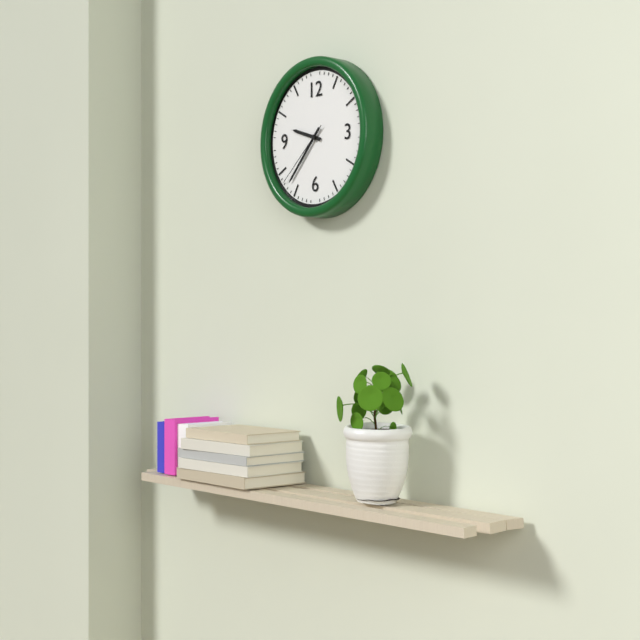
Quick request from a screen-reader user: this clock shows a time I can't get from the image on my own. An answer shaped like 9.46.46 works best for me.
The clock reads 9.37.38
